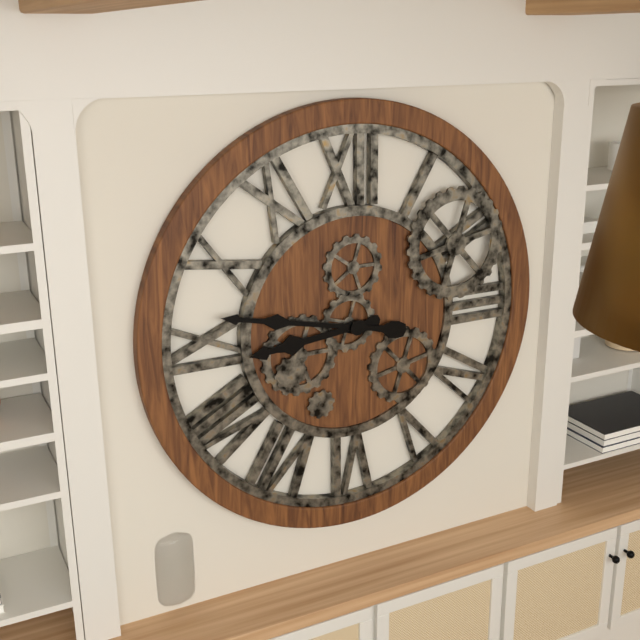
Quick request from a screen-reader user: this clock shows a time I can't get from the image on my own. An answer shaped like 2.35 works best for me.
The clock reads 8.47
